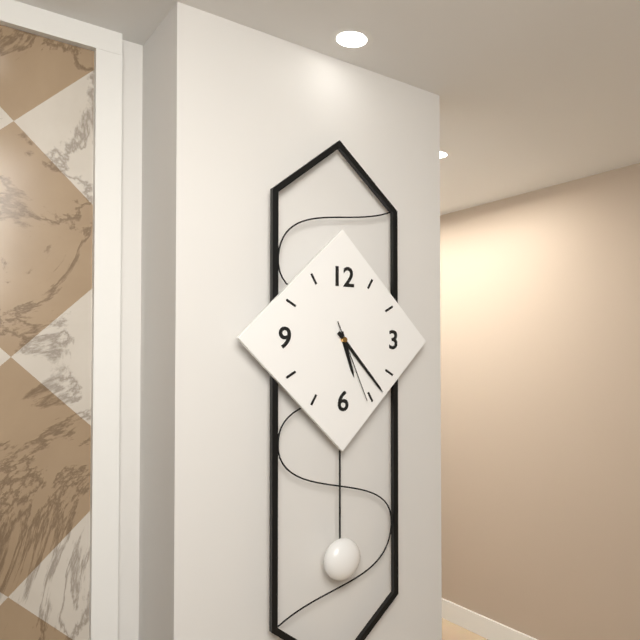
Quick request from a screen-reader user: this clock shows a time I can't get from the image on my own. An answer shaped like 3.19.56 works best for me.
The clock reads 5.23.26
